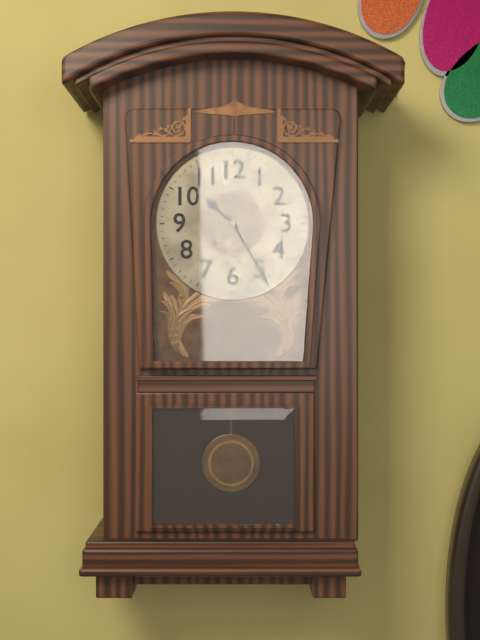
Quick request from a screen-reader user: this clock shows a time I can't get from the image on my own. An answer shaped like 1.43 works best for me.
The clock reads 10.25
